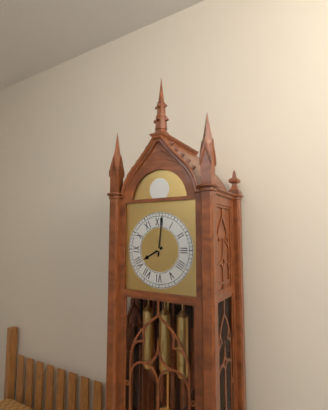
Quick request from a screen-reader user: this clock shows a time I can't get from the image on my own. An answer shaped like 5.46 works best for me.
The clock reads 8.01
